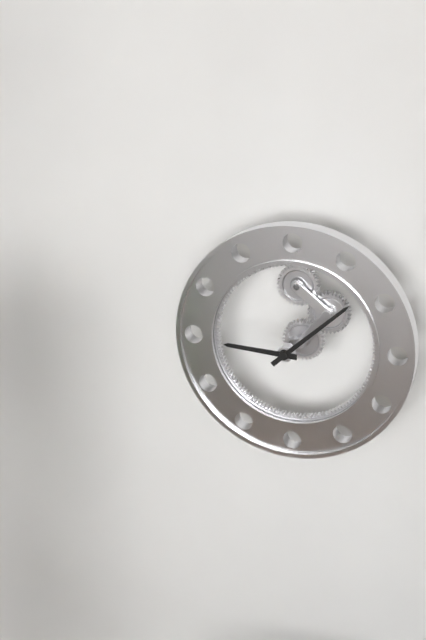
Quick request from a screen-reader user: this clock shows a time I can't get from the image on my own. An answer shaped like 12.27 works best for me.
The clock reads 9.08
